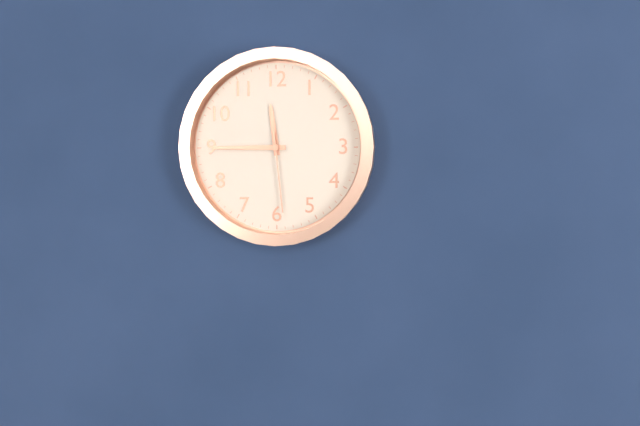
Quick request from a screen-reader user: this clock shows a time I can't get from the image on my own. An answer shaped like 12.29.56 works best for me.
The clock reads 11.45.29
